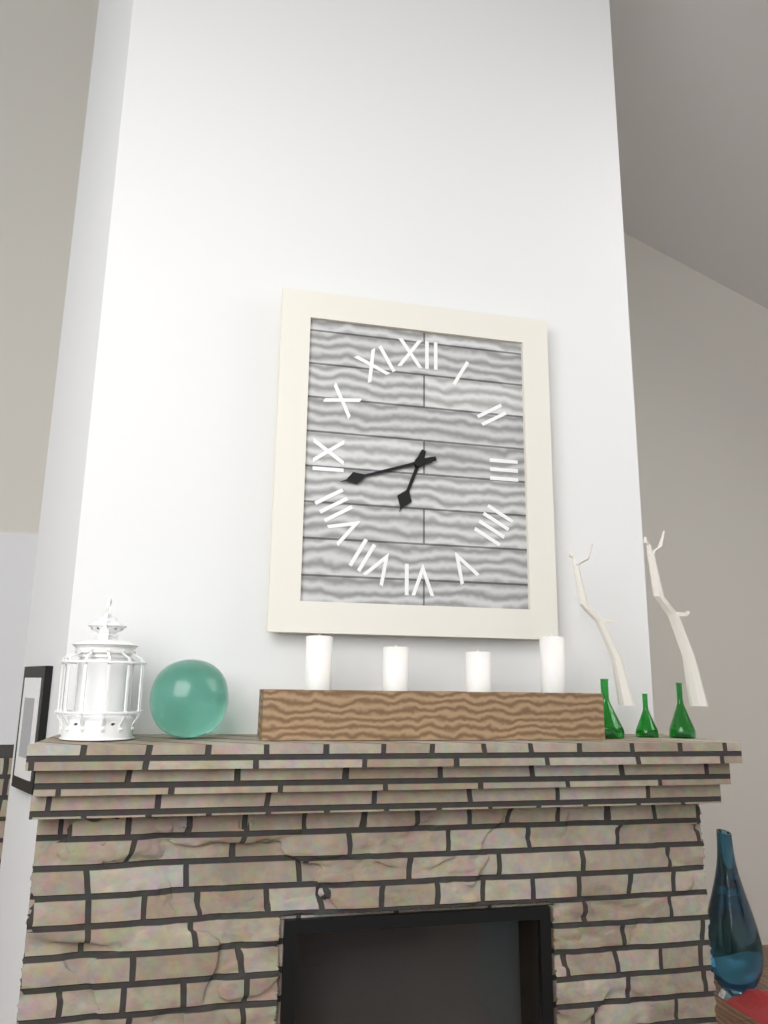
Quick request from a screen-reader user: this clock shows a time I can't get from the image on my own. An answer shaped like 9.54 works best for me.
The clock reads 6.42
